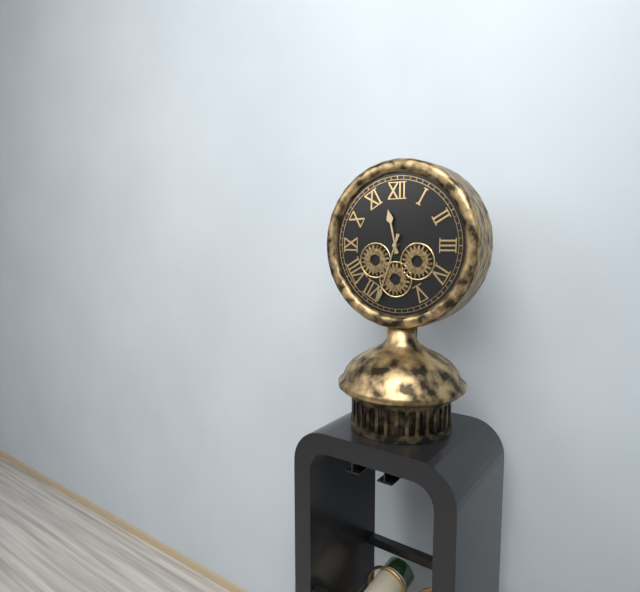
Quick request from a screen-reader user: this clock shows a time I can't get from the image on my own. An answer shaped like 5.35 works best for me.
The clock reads 11.33
